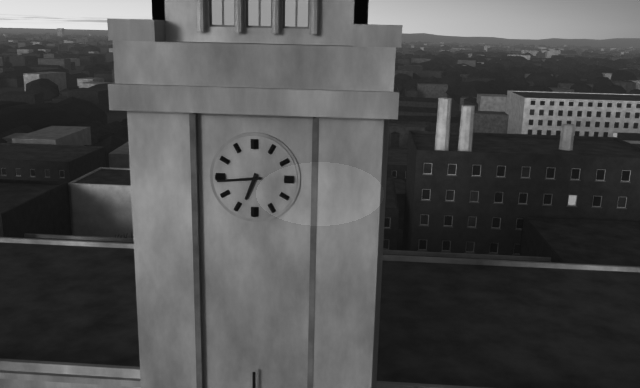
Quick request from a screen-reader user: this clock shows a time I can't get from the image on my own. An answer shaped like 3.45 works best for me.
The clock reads 6.44
